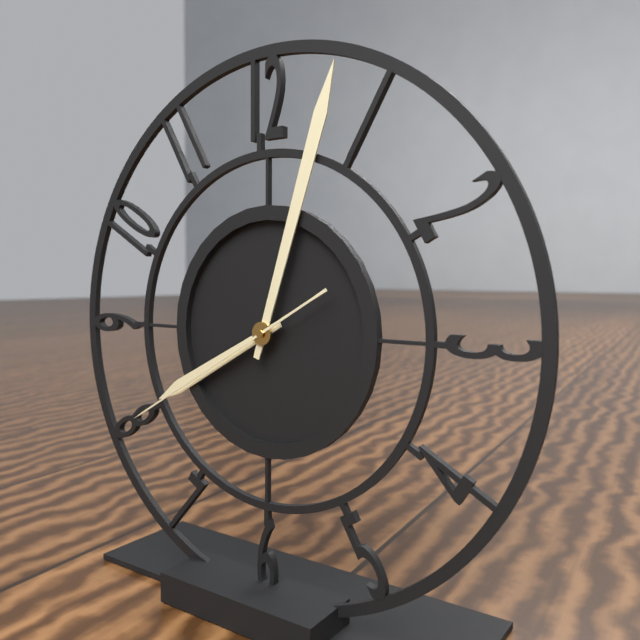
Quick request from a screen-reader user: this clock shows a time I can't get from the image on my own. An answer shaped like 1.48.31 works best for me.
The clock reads 8.03.40
